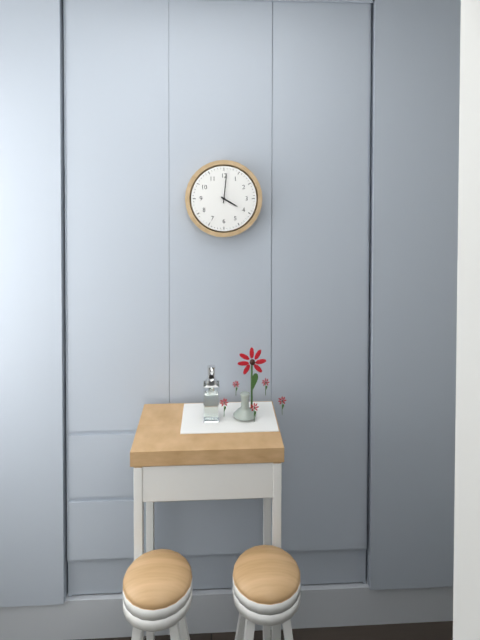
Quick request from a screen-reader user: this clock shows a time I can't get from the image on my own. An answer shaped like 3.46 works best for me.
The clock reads 4.01
